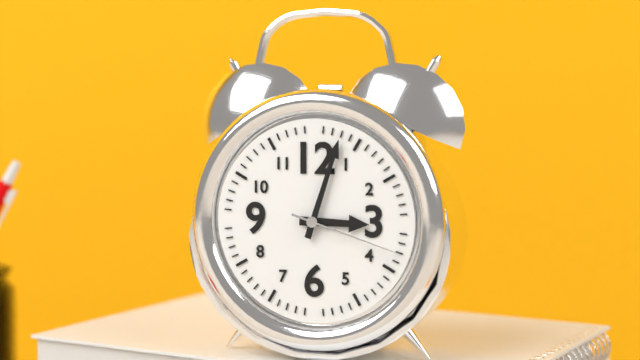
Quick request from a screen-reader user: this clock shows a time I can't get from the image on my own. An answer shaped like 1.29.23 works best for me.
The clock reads 3.03.18
